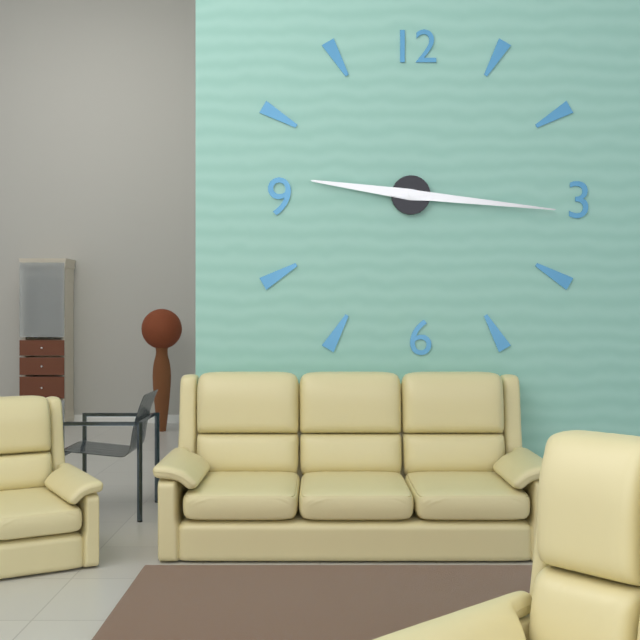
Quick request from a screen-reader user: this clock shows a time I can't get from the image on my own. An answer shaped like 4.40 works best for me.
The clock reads 9.16
